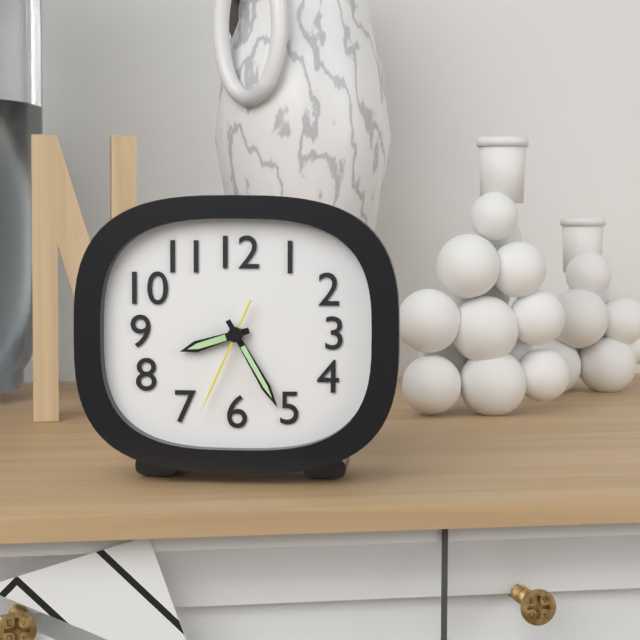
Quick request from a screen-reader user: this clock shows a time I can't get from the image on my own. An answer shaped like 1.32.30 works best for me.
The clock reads 8.25.34
